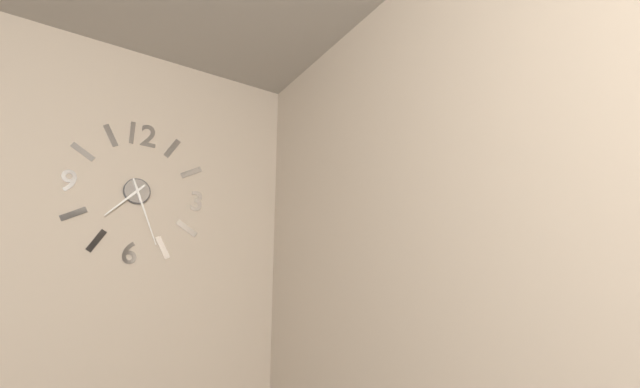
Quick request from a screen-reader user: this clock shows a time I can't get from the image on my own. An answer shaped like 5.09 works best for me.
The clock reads 7.26
